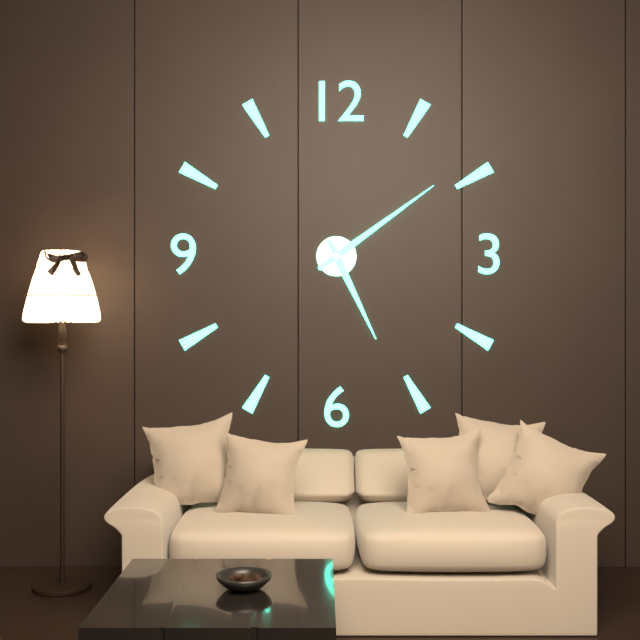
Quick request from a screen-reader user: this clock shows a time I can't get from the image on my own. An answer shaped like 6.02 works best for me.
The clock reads 5.09
